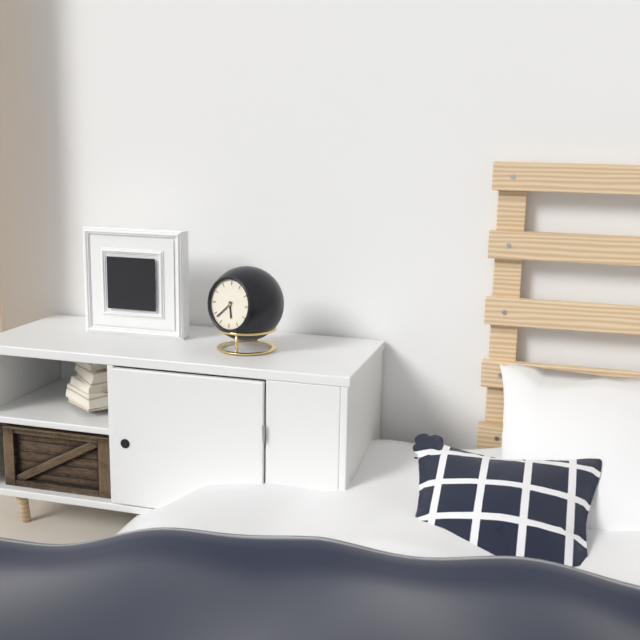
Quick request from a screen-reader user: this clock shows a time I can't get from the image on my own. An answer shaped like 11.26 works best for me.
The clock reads 5.38
